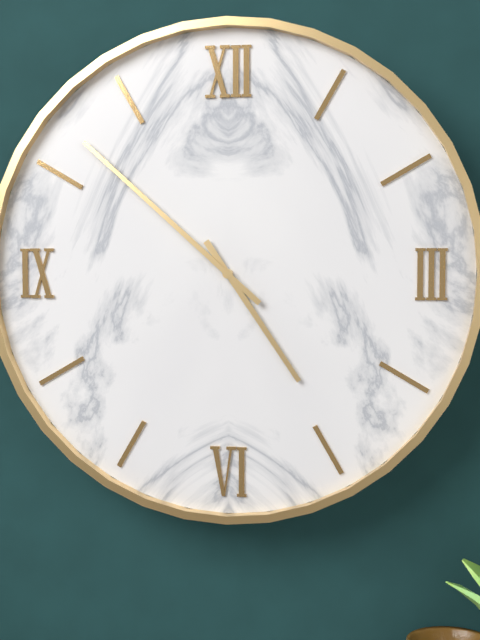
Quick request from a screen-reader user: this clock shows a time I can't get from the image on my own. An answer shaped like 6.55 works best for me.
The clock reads 4.52
